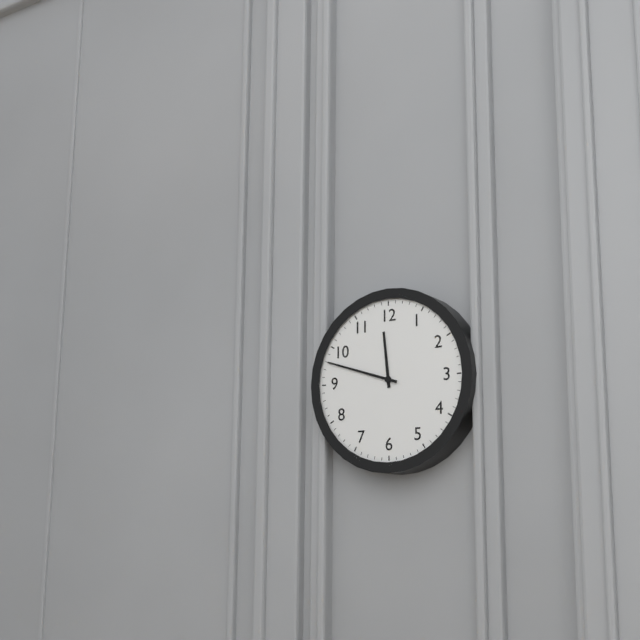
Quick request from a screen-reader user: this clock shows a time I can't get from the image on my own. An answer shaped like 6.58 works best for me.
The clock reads 11.48
